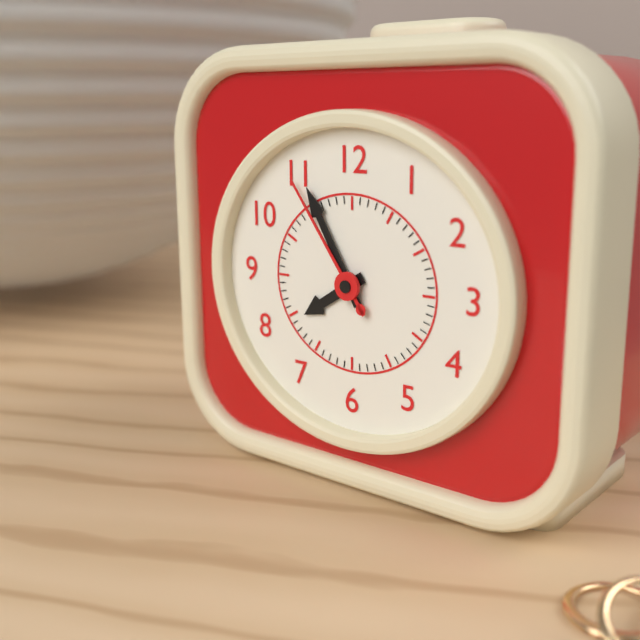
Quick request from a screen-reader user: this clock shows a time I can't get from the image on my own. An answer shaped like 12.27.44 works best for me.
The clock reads 7.55.54
